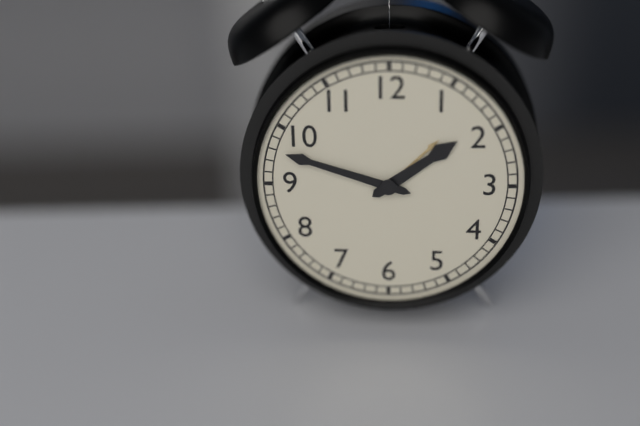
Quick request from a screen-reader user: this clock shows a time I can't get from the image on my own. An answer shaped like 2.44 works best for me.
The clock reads 1.48
